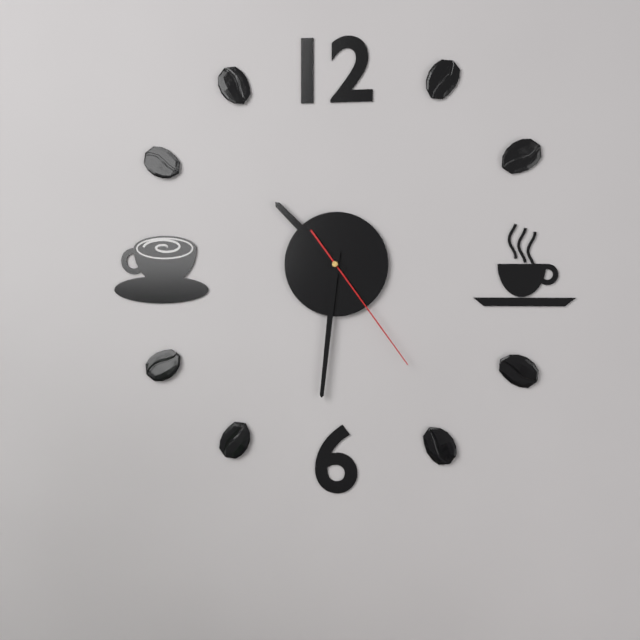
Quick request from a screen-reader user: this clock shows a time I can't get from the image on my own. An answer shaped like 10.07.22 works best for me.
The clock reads 10.31.24
